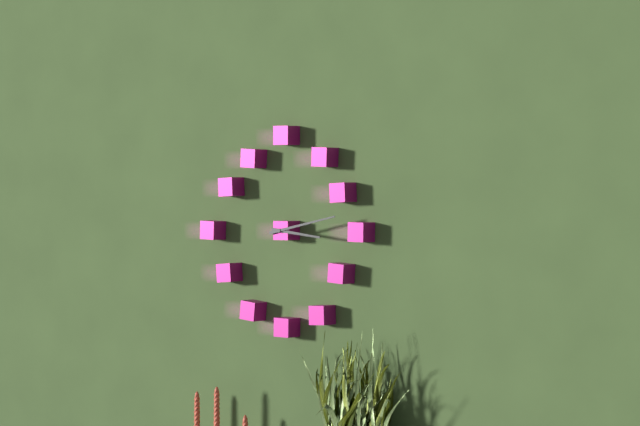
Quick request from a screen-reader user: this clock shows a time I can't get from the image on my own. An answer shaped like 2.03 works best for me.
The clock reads 3.13
